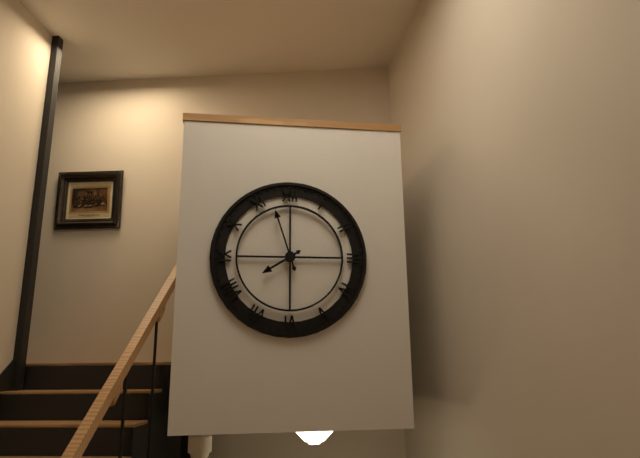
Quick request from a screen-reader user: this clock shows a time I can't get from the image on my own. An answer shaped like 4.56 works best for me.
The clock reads 7.57
